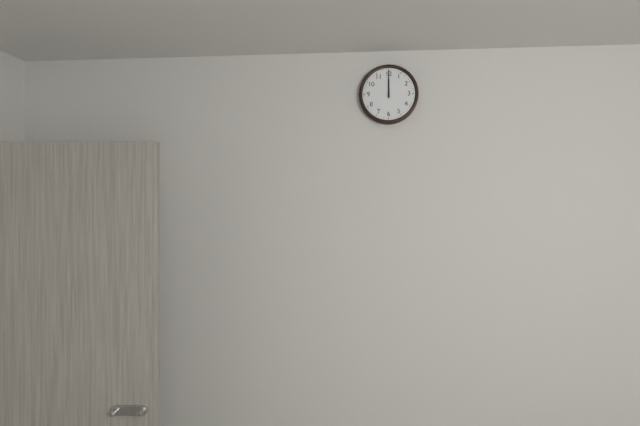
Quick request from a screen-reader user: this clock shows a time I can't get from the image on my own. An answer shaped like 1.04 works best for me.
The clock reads 12.00
